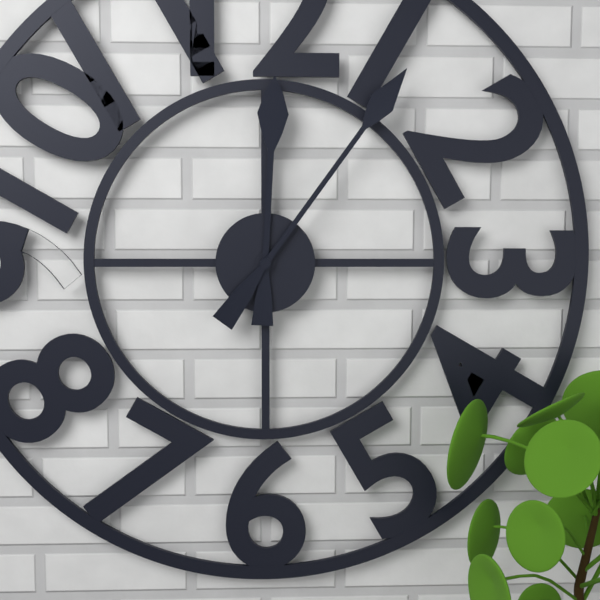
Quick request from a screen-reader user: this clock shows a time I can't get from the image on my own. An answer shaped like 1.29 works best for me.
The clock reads 12.06
